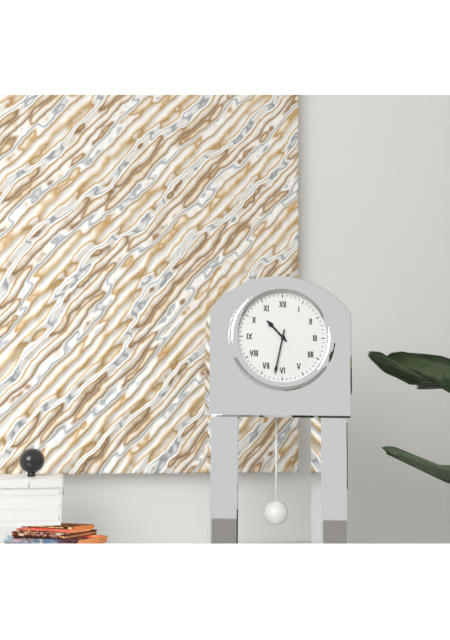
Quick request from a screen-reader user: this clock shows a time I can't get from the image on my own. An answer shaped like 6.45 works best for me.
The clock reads 10.32
